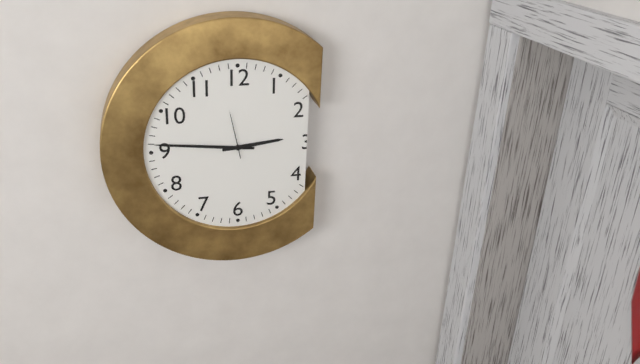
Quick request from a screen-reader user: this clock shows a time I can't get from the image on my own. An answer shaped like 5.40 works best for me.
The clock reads 2.46
